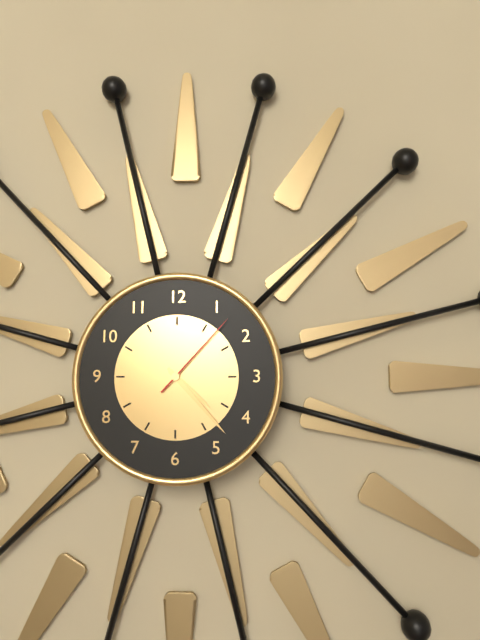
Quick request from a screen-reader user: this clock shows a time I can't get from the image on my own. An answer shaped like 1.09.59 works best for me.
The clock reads 4.23.07
